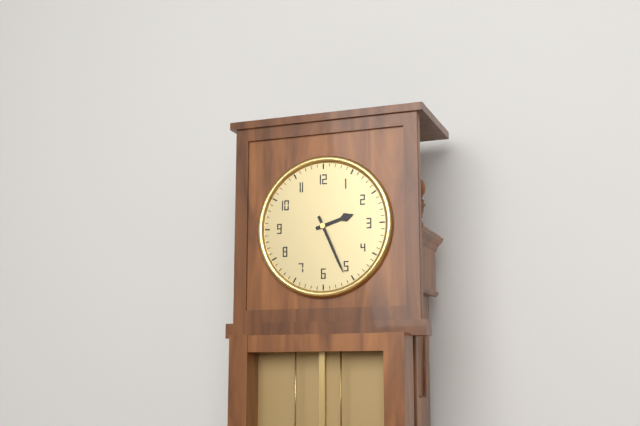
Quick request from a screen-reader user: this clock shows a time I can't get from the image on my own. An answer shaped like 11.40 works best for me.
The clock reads 2.26
